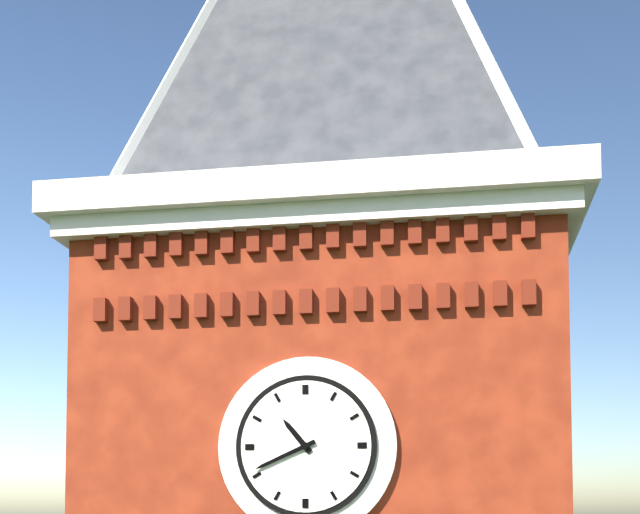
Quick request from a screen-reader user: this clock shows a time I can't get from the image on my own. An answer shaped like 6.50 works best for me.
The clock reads 10.41
